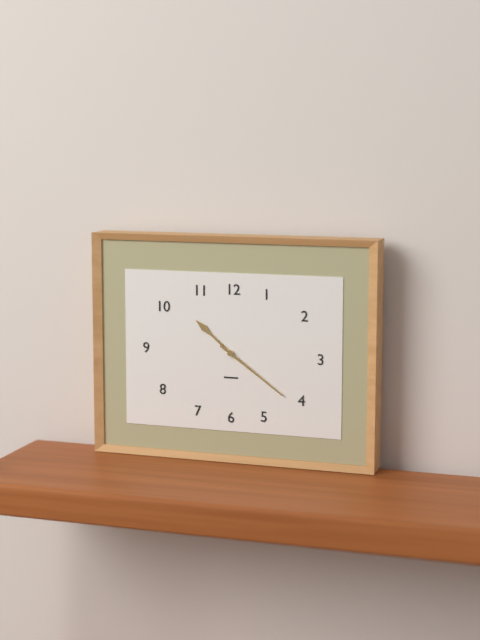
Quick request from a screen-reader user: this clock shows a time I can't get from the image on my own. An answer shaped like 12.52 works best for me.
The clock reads 10.21
